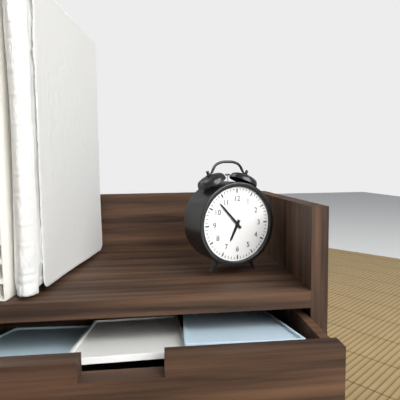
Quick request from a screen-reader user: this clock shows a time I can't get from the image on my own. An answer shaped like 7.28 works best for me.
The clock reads 6.53
